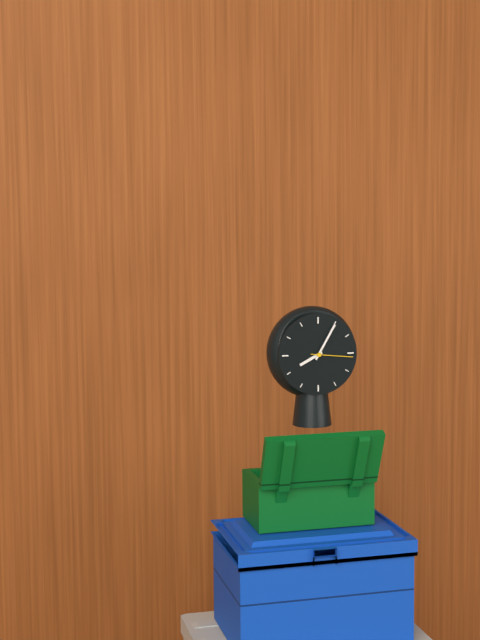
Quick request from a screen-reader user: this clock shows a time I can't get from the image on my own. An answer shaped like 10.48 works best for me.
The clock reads 8.05
